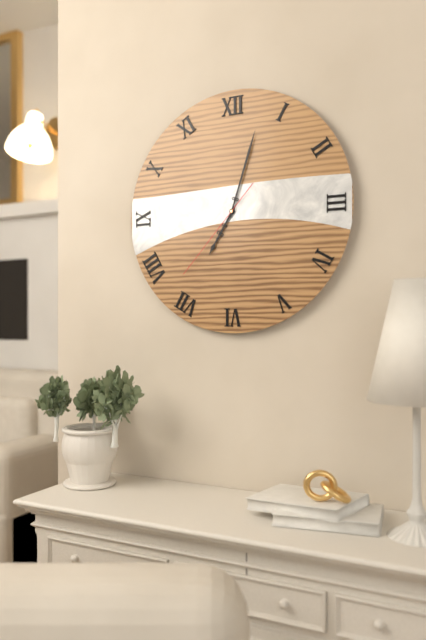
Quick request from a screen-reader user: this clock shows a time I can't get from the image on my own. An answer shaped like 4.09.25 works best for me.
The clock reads 7.03.37
